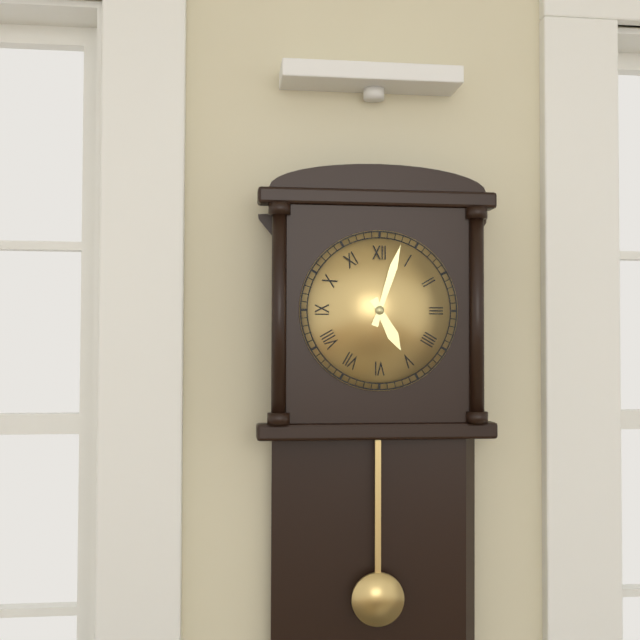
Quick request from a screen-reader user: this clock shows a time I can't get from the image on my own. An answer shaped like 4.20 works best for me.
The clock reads 5.03
